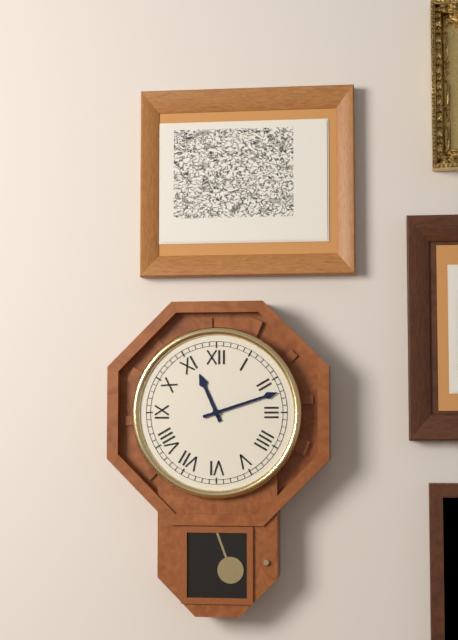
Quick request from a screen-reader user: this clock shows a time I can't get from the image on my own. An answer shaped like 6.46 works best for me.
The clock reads 11.12
